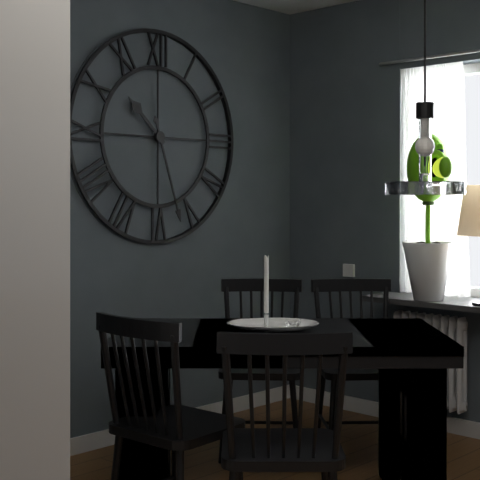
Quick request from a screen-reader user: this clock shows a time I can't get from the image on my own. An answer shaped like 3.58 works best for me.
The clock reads 10.27
